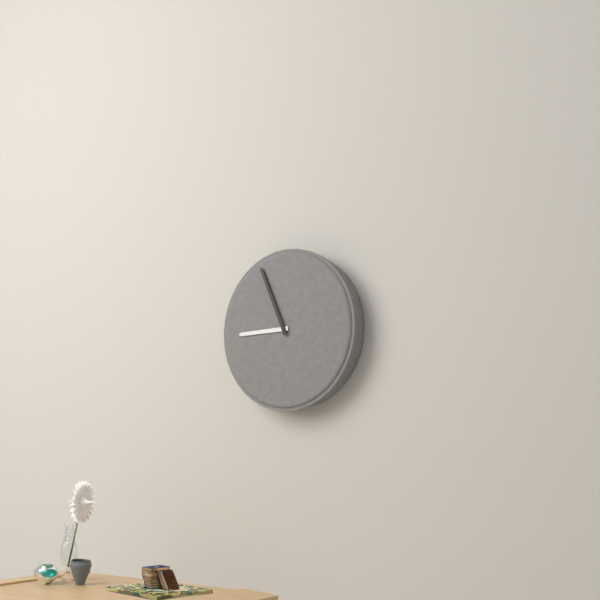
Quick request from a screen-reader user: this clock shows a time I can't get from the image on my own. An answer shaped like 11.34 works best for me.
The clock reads 8.56
